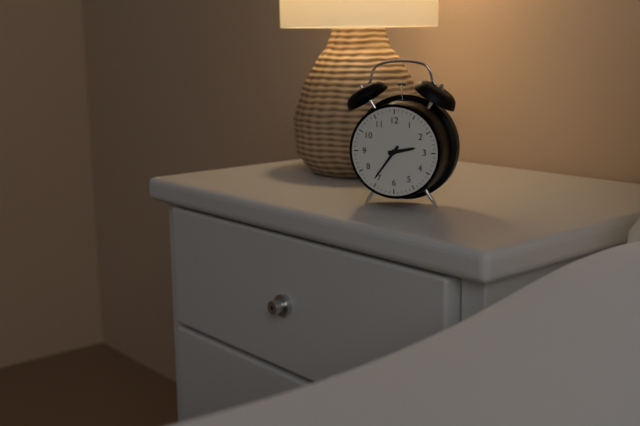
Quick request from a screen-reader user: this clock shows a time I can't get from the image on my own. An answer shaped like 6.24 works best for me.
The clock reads 2.36
